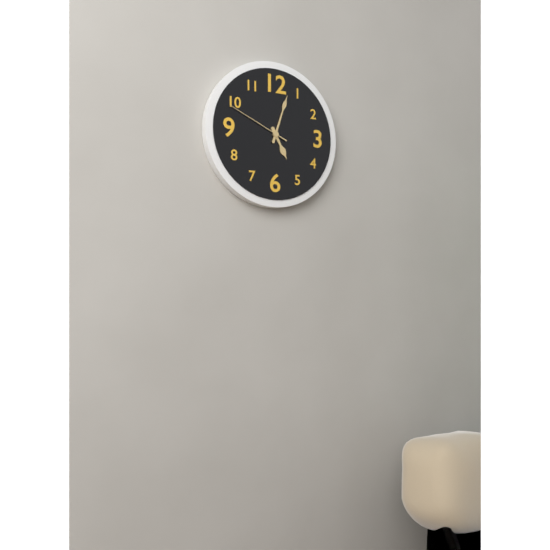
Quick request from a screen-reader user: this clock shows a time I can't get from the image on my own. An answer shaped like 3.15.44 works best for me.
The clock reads 5.03.49
